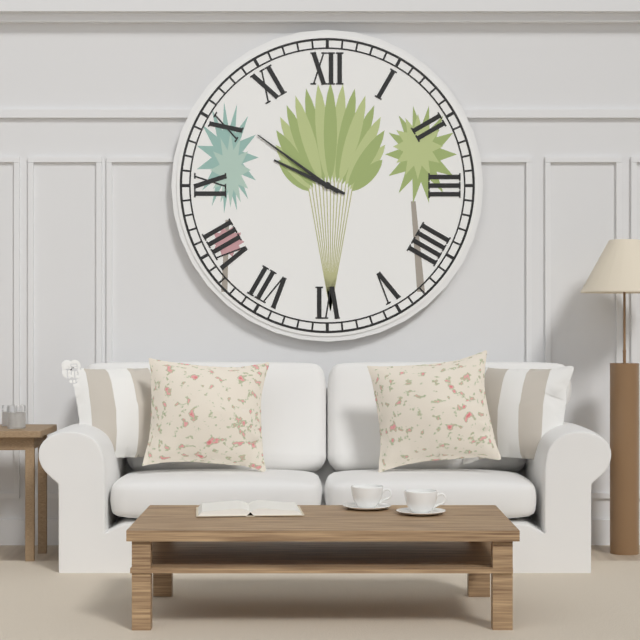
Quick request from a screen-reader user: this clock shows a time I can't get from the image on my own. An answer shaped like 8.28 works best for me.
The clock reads 9.51
